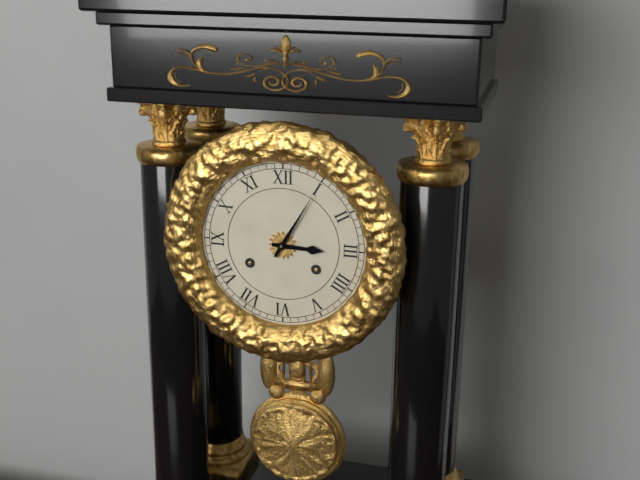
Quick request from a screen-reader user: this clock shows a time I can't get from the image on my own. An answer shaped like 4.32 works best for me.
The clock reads 3.05
